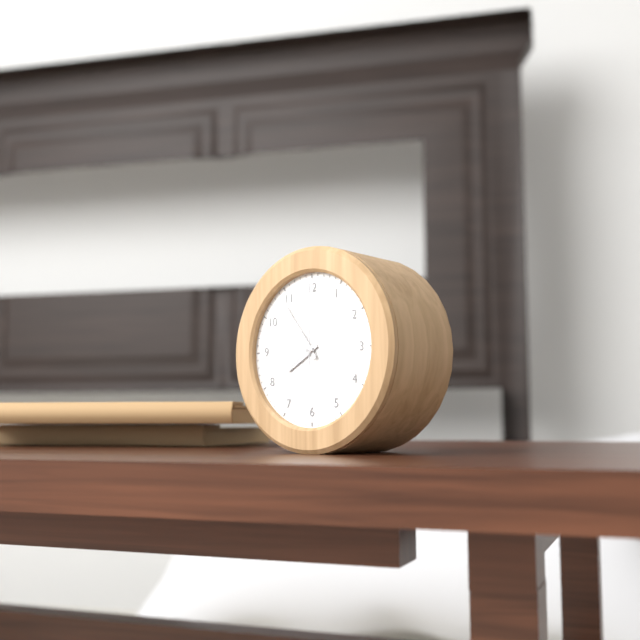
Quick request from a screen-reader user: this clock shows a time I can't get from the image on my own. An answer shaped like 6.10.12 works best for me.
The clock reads 7.54.00
